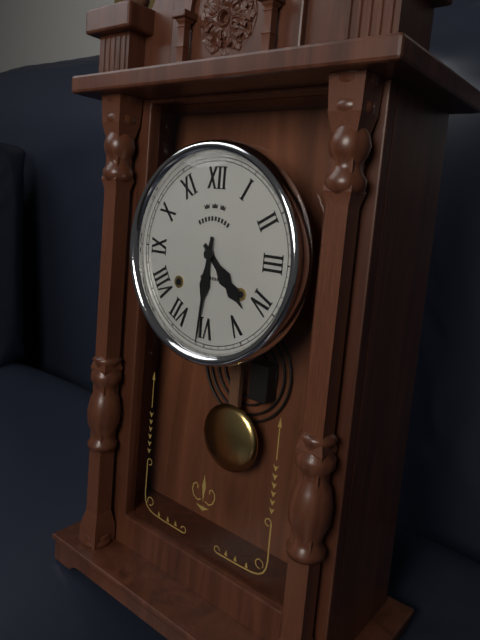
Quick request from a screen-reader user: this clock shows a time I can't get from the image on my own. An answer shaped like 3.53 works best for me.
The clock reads 4.31
